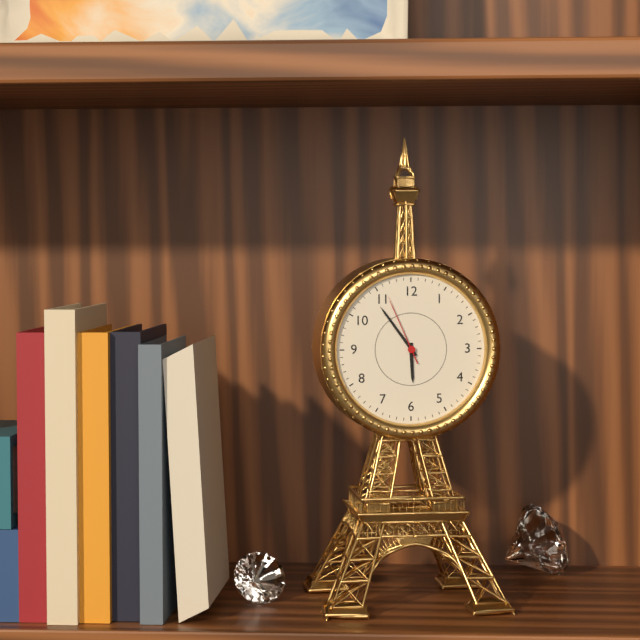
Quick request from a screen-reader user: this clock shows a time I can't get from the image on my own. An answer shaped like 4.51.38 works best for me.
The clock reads 5.54.56
